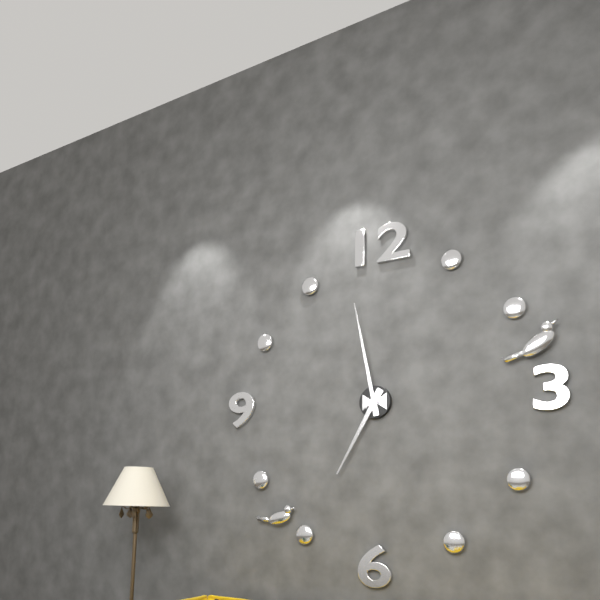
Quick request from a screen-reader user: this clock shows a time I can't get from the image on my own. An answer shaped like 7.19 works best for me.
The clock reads 6.58
